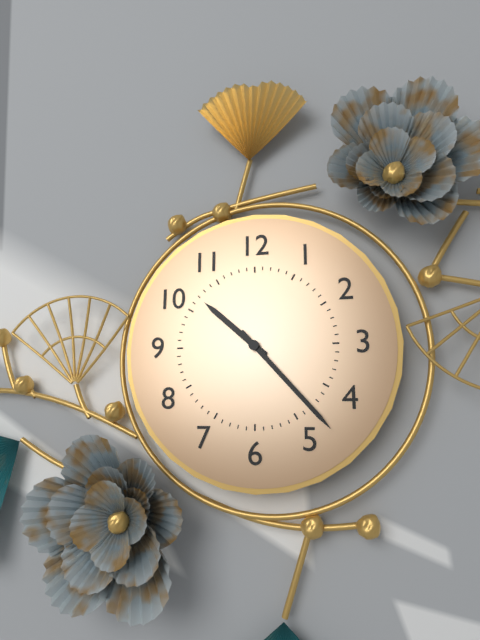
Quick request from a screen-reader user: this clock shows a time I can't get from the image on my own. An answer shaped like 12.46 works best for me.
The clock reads 10.23
